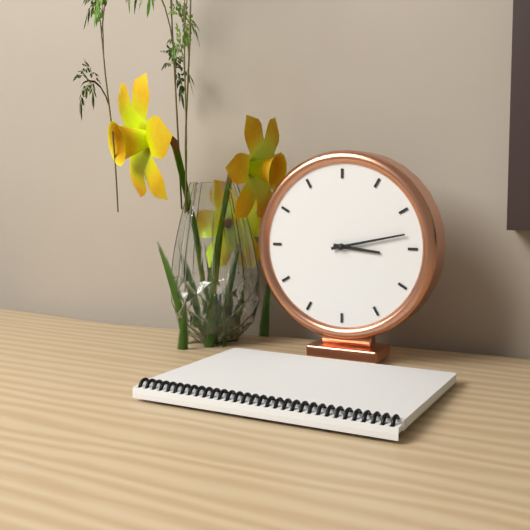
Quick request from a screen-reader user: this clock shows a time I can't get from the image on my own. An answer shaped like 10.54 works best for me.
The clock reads 3.13
